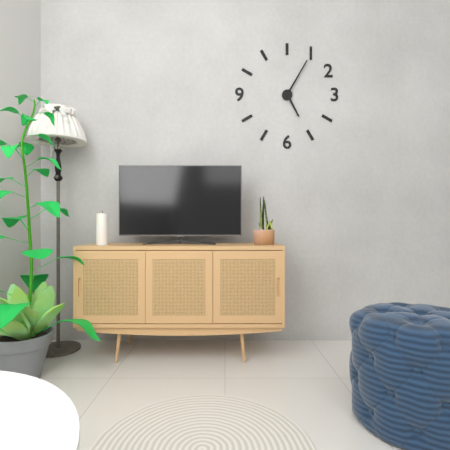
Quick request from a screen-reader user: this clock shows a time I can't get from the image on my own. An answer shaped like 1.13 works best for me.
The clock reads 5.05
